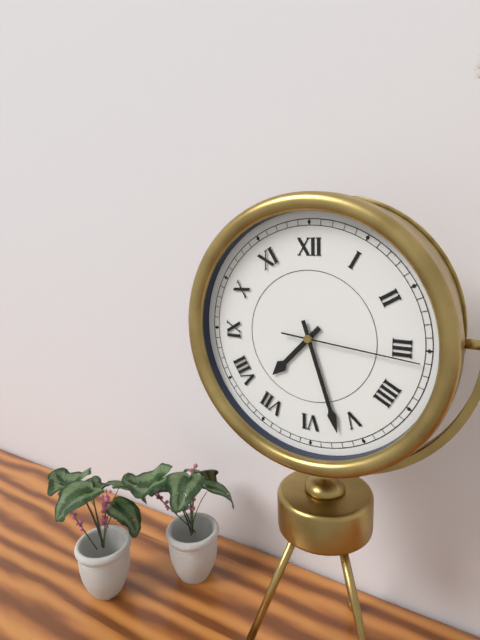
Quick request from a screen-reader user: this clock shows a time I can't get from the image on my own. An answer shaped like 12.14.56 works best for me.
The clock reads 7.27.16
